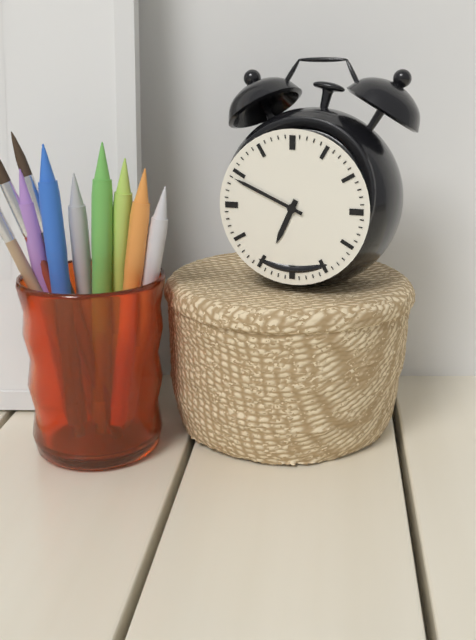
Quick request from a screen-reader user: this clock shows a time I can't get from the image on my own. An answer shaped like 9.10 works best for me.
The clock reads 6.49
